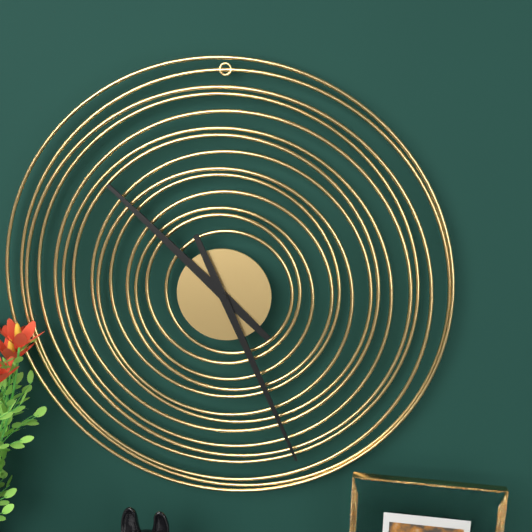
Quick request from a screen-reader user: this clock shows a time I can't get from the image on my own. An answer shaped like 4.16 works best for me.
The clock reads 10.26
